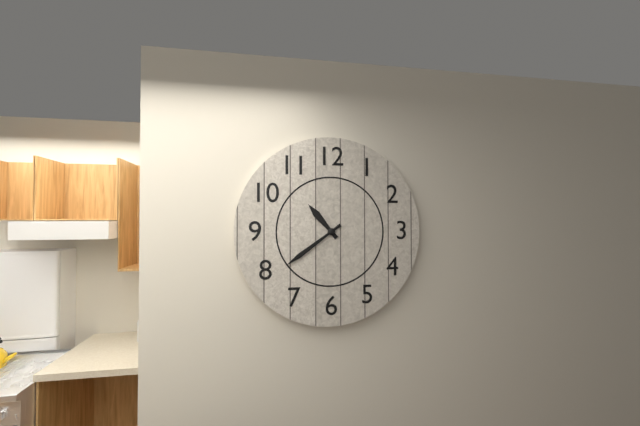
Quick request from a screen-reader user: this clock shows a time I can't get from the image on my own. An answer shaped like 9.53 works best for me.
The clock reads 10.39
